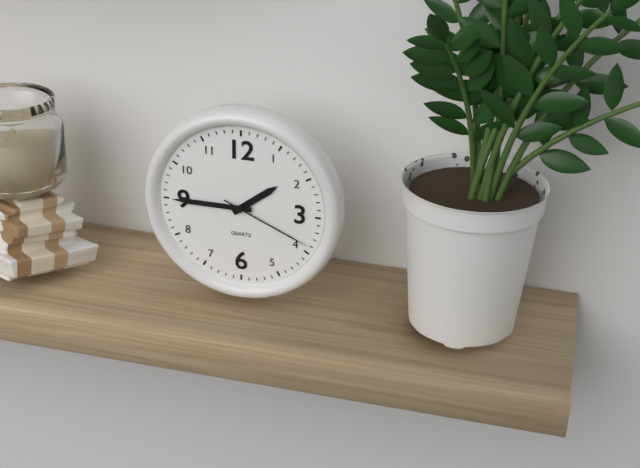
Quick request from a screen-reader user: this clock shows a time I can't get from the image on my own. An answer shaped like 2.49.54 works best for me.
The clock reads 1.45.19
